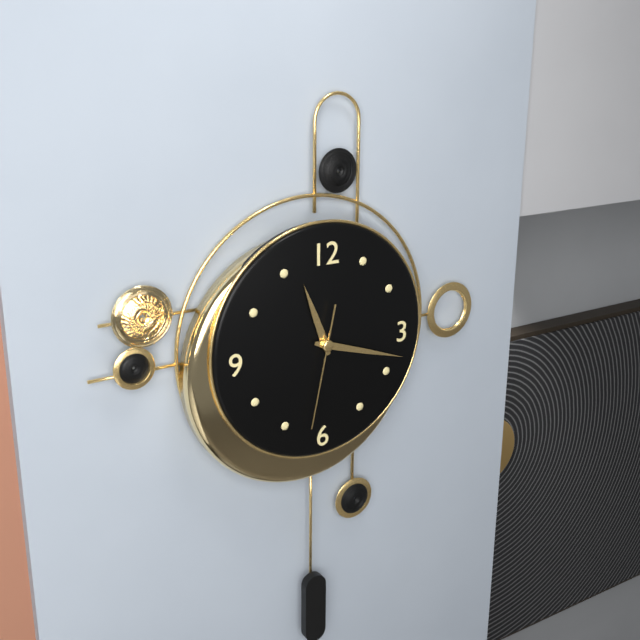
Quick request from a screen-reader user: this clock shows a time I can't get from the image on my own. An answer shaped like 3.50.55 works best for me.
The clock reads 11.18.32
